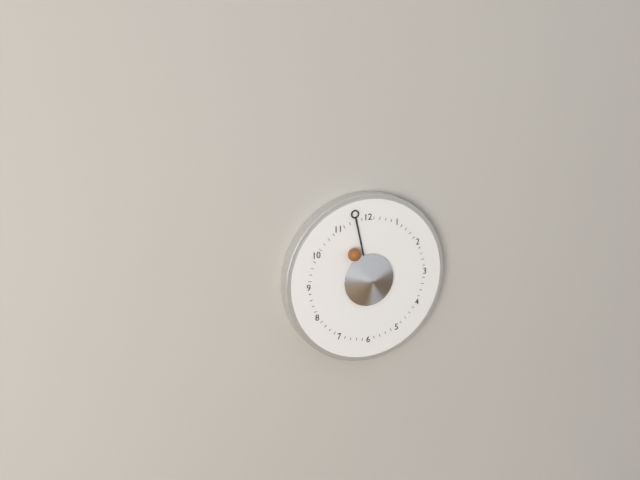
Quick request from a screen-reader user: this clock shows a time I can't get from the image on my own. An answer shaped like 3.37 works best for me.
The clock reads 10.58
